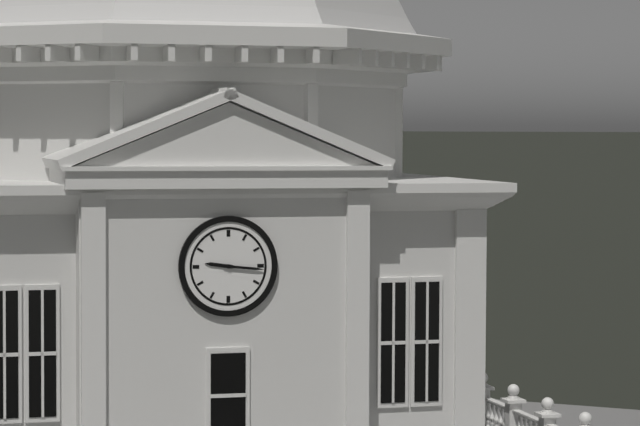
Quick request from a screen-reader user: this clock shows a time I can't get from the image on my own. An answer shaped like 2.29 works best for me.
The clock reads 9.16
